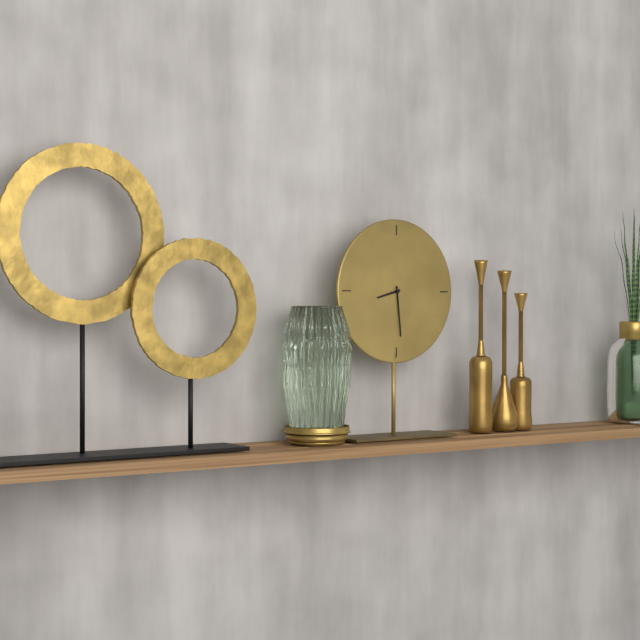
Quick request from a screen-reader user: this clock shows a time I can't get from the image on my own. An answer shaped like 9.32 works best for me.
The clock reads 8.29
